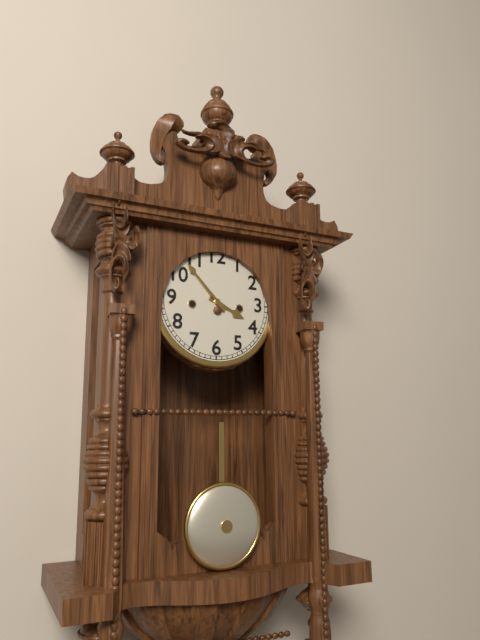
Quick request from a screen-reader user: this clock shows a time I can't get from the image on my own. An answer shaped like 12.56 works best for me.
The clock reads 3.53
